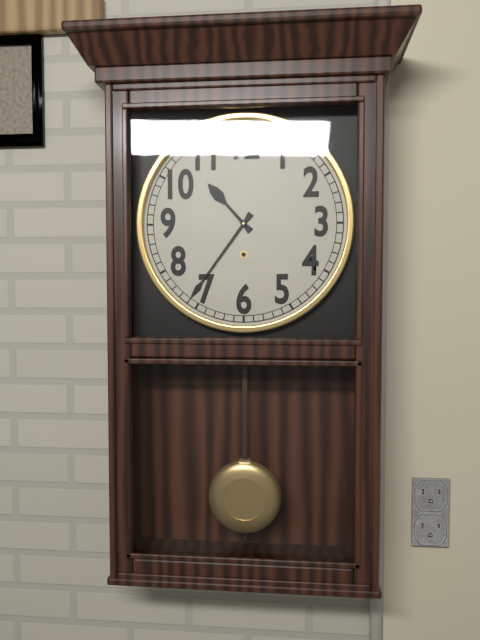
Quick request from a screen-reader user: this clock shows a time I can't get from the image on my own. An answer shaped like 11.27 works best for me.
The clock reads 10.36
